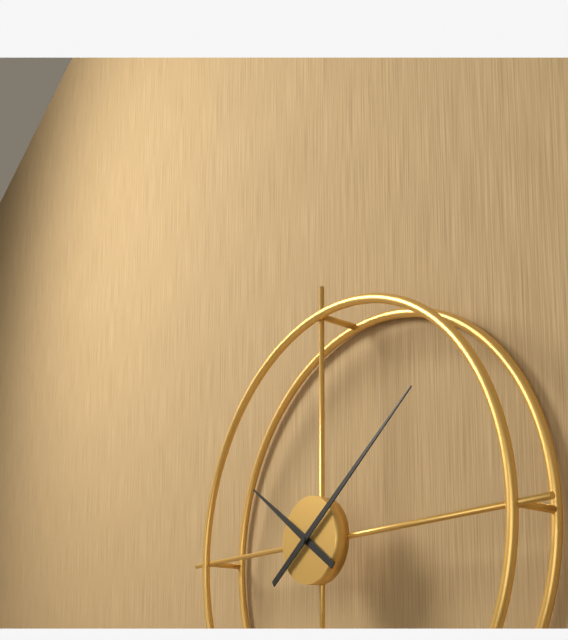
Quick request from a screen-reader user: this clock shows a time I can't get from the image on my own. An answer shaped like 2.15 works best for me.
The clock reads 10.09
